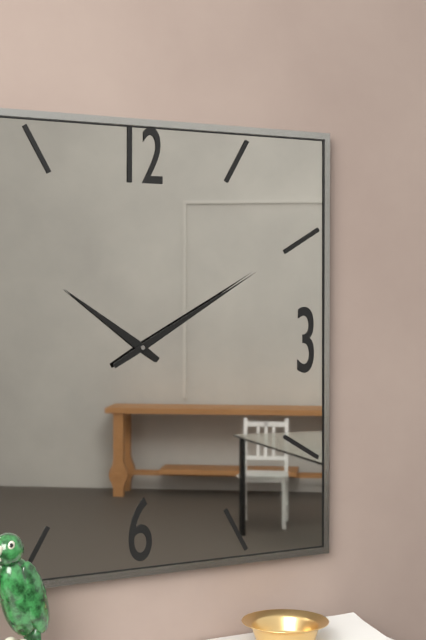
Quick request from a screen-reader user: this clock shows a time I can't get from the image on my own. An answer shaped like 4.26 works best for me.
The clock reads 10.10
